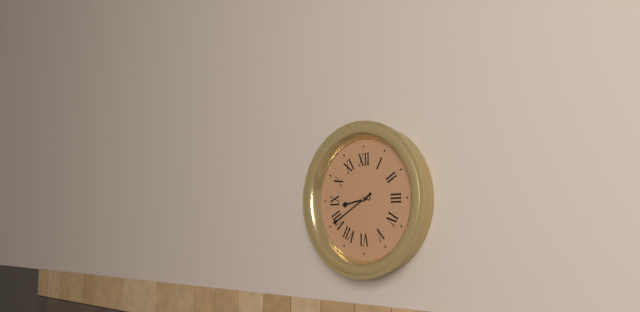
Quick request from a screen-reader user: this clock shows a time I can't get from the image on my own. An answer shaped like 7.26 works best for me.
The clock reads 8.40
